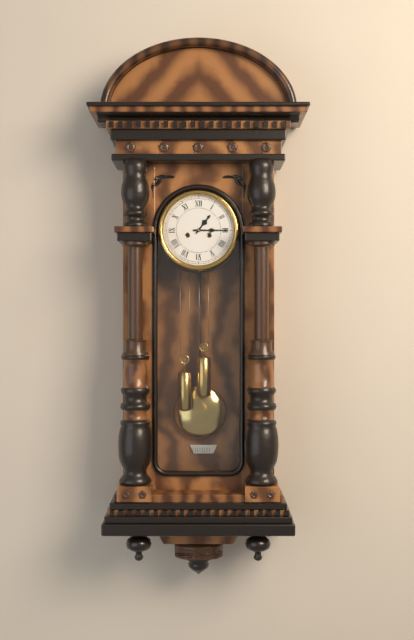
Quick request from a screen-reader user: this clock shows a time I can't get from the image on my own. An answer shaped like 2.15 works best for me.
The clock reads 1.15
